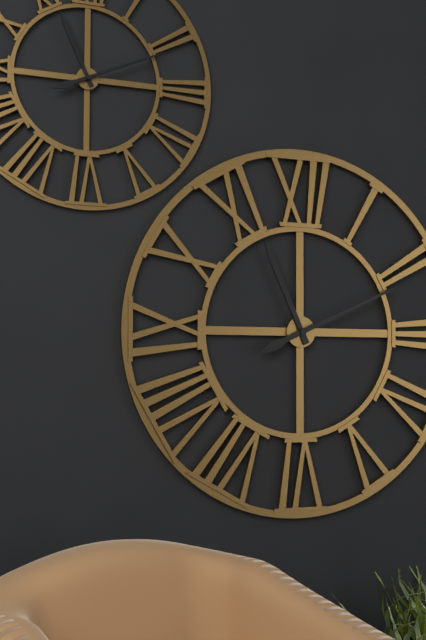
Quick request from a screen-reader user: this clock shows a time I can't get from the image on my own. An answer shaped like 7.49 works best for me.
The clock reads 11.11
